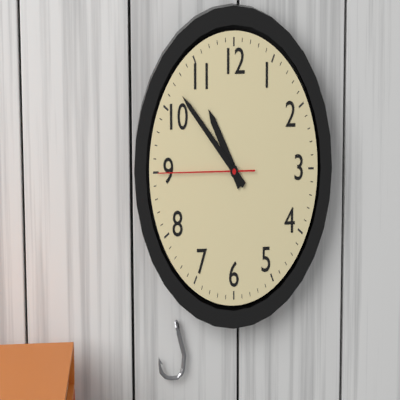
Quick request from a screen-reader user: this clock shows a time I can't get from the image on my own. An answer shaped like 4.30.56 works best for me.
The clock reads 10.52.45
